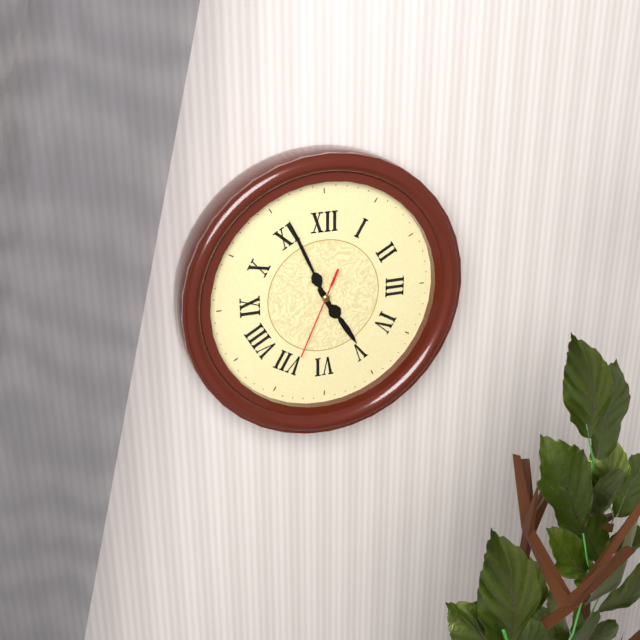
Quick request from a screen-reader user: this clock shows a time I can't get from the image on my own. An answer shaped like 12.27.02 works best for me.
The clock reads 4.56.34
